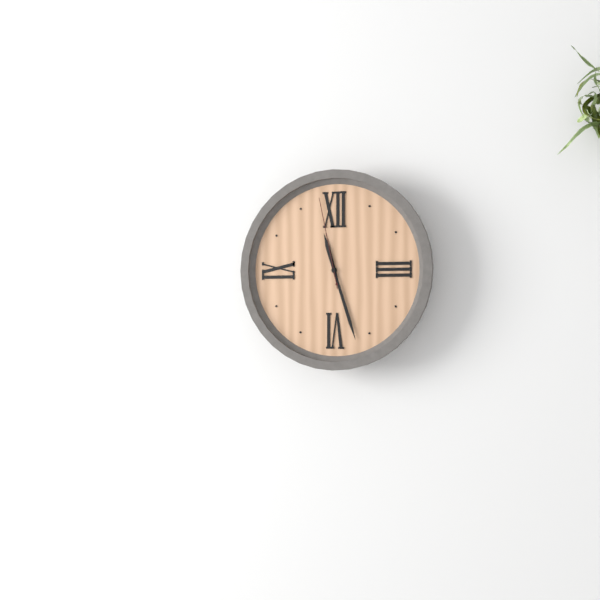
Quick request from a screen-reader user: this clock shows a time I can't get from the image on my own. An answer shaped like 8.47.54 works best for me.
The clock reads 11.27.58
